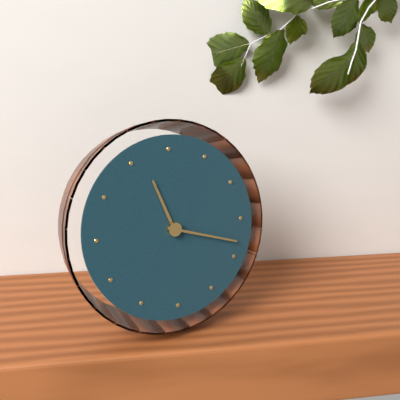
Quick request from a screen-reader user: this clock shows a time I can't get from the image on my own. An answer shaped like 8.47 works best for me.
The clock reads 11.18
